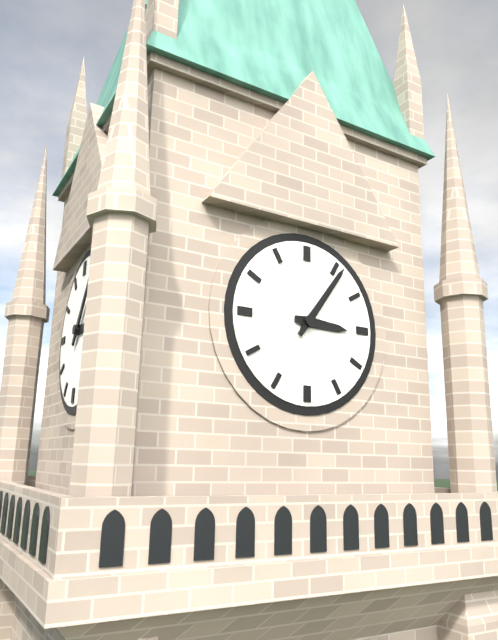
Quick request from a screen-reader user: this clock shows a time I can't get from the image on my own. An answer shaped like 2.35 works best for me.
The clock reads 3.06
